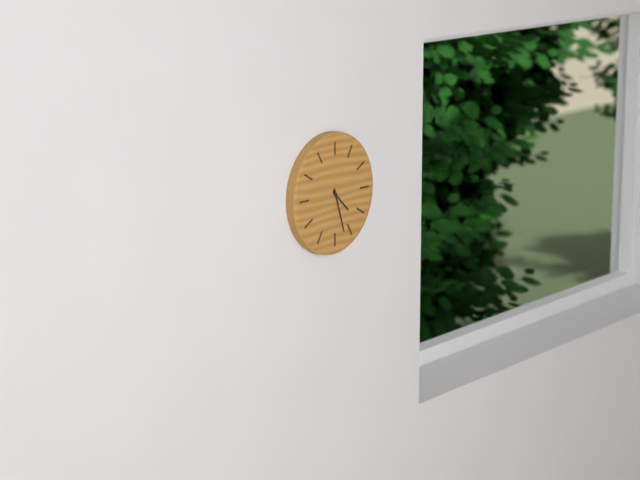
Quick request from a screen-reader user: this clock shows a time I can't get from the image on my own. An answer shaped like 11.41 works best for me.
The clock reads 4.27
